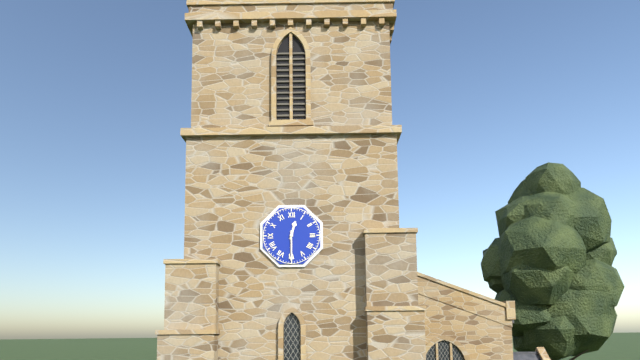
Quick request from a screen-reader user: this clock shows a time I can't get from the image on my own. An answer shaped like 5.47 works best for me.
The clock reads 12.30
